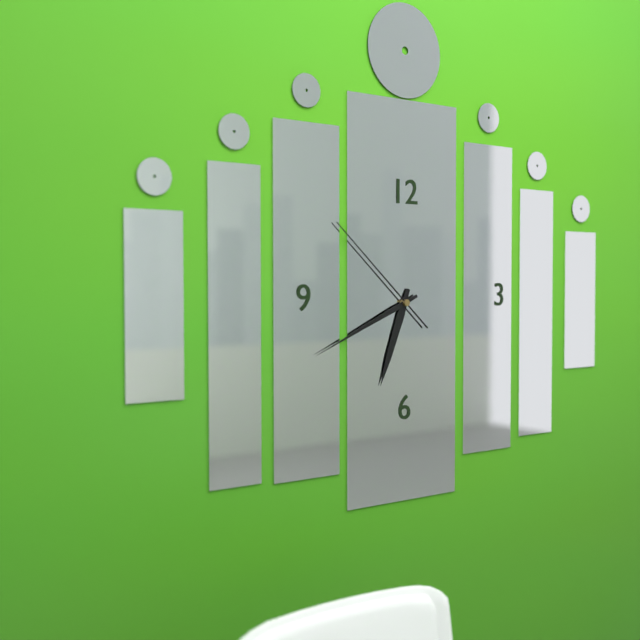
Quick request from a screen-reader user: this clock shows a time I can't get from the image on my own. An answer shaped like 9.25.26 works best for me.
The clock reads 6.41.52
